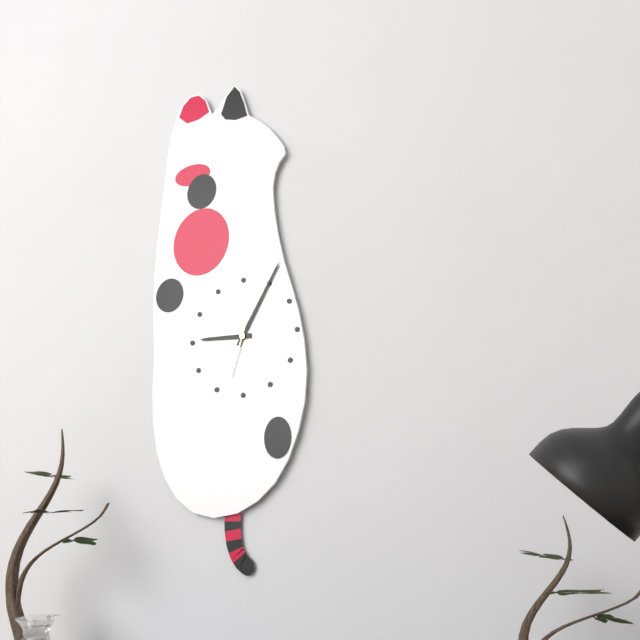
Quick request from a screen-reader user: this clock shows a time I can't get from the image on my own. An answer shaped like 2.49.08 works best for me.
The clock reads 9.05.33
